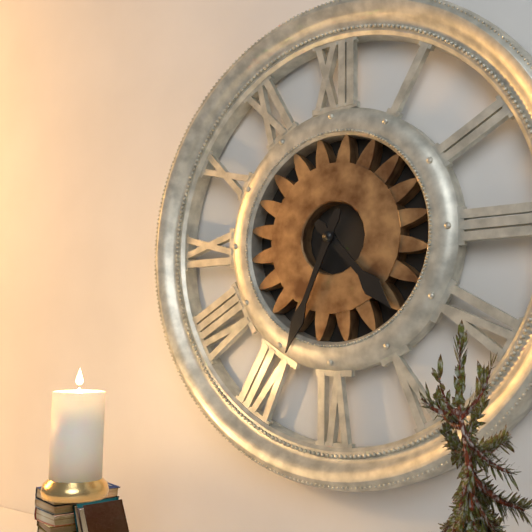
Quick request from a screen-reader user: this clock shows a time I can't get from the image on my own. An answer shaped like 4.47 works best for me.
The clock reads 4.34
